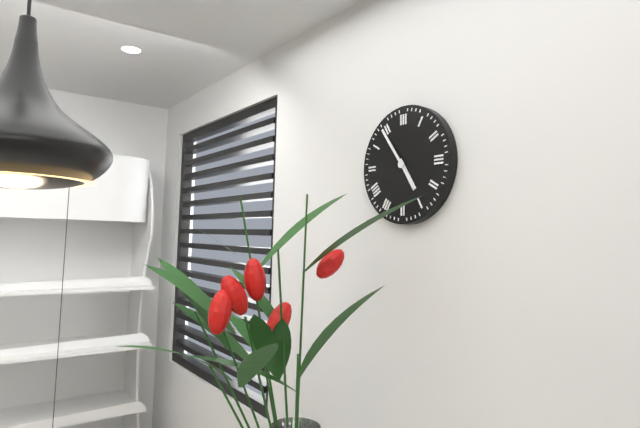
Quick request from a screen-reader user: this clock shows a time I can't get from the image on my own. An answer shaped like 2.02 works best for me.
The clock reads 4.54
